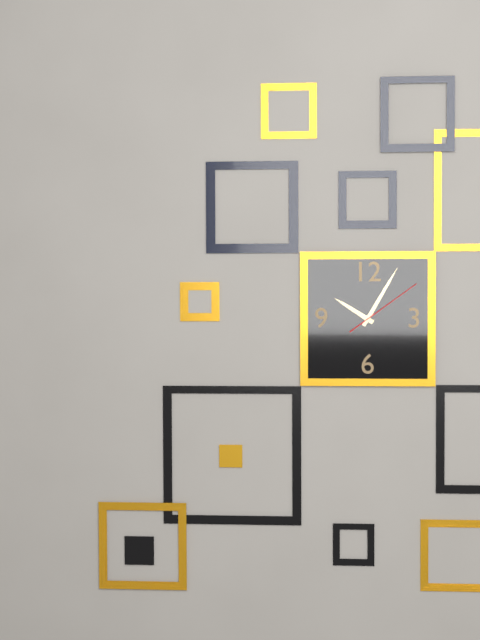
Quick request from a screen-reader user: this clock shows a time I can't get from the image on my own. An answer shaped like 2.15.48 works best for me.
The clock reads 10.05.09
